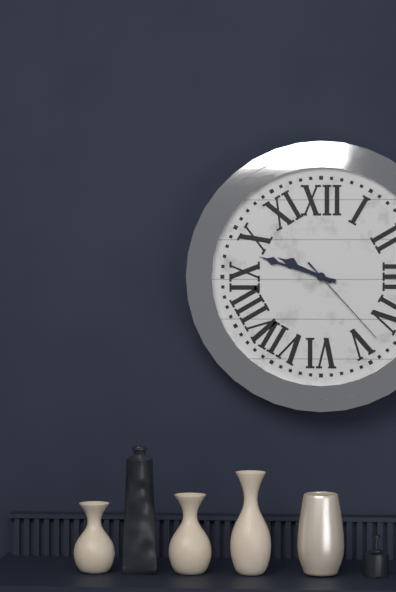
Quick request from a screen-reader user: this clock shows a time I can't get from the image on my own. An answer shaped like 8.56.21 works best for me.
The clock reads 9.48.23
